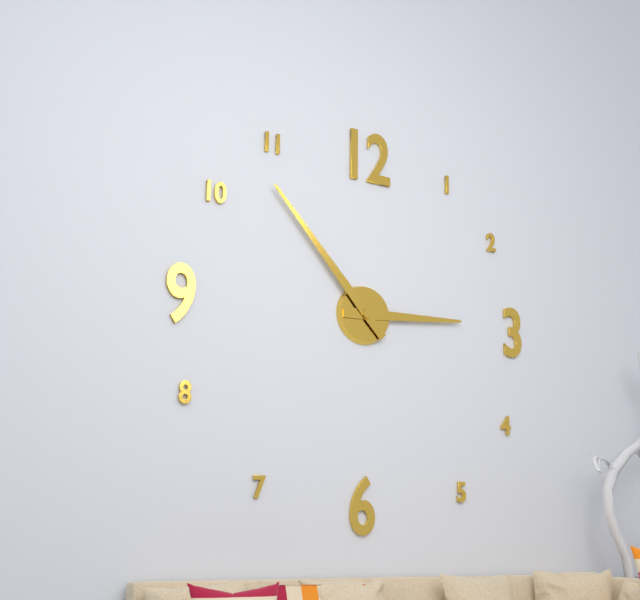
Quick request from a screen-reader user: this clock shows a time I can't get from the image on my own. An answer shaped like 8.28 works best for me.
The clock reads 2.53
